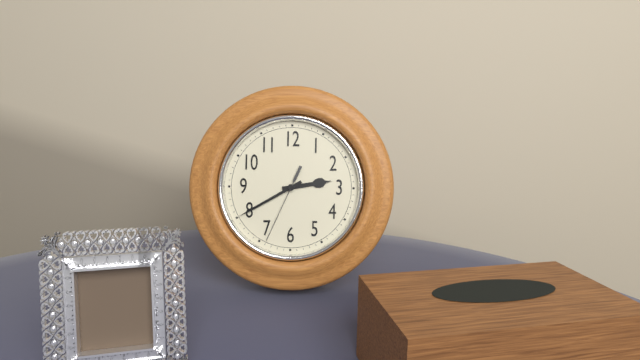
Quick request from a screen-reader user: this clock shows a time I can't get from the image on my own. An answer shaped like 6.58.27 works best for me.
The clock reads 2.40.34
